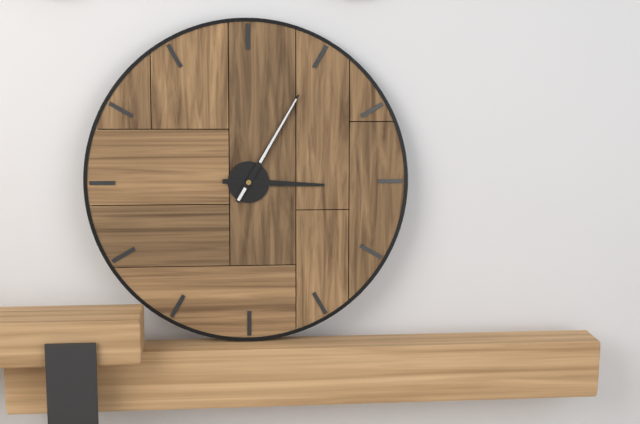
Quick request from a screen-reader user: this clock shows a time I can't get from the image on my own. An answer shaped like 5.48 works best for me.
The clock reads 3.05
